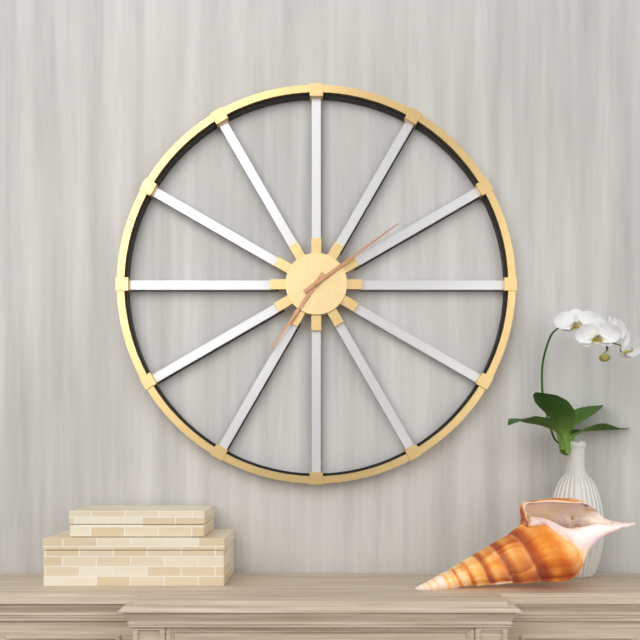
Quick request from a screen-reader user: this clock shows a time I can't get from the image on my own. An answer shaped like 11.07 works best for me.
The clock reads 7.09
